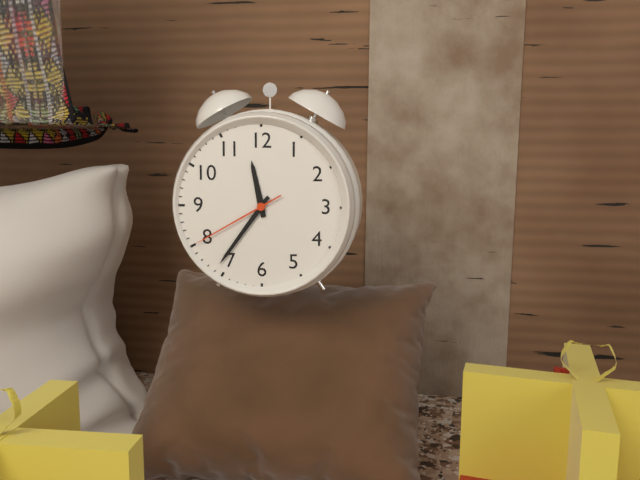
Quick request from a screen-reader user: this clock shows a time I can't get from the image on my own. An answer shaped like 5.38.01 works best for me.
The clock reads 11.36.40
